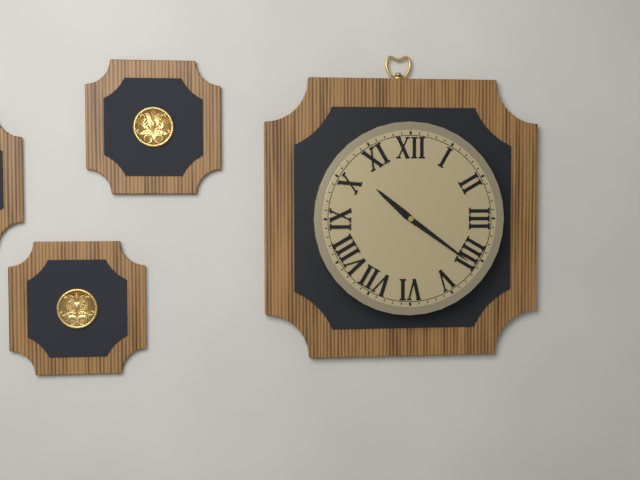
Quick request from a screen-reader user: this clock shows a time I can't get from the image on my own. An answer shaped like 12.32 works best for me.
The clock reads 10.21
